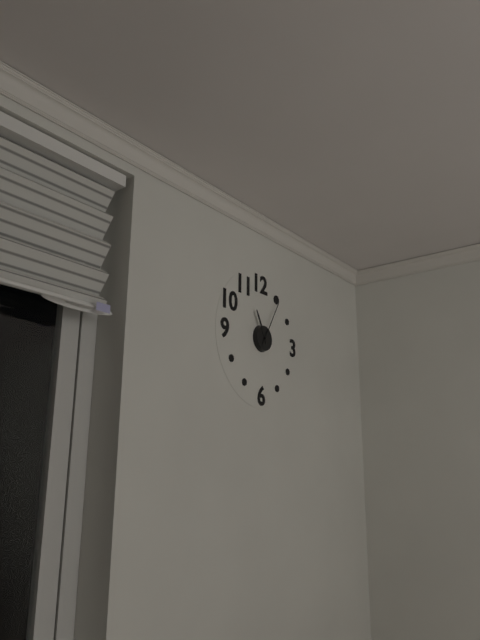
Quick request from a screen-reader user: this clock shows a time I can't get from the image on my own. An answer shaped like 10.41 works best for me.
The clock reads 11.05
